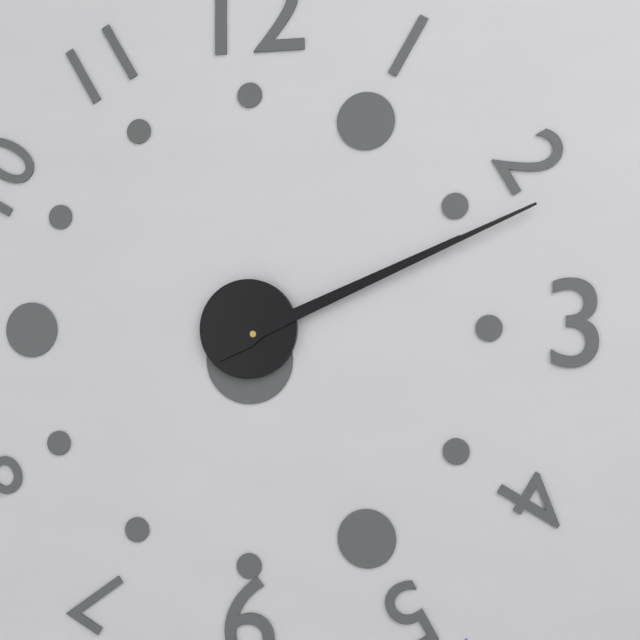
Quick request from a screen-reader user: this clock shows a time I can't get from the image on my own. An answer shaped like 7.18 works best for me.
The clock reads 2.11
